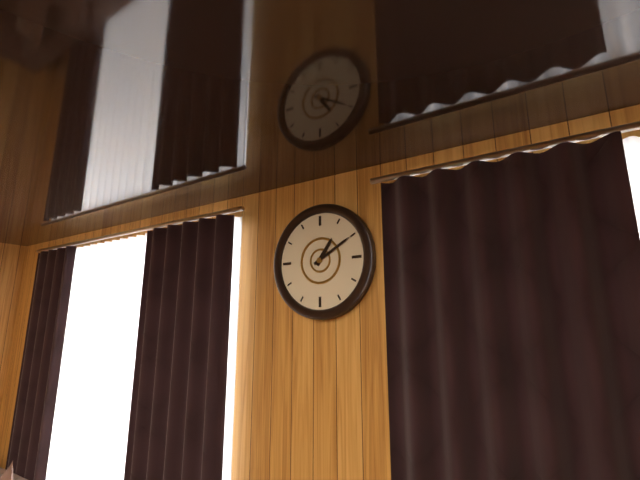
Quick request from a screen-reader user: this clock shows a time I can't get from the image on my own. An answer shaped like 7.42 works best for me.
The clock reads 1.10
